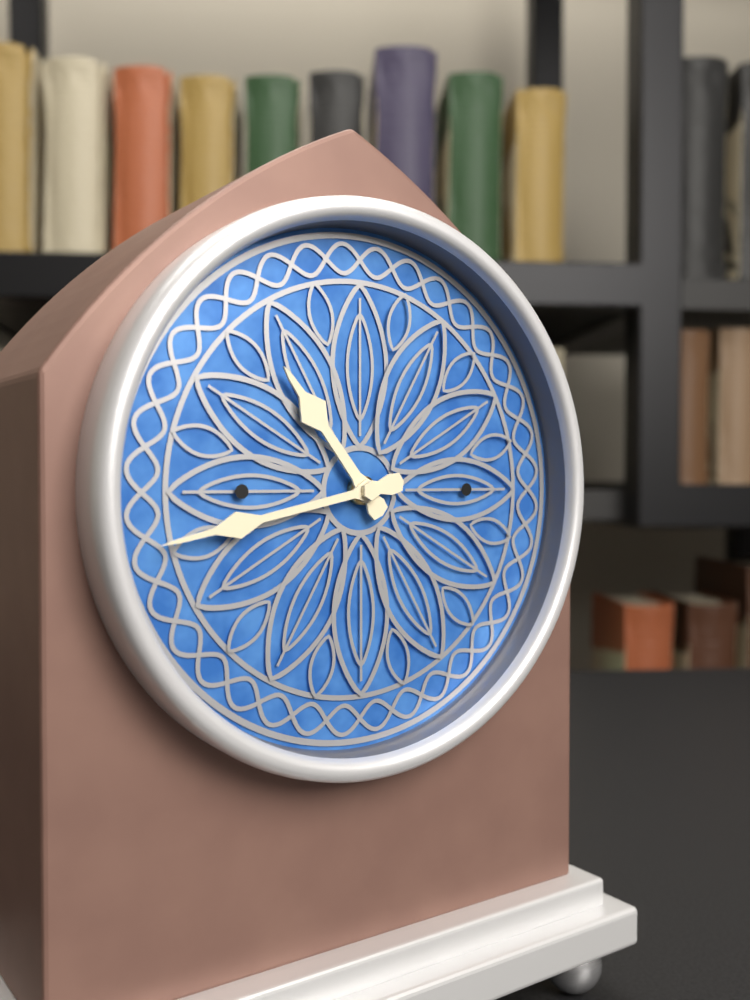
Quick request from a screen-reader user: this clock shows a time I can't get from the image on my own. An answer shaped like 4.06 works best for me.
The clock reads 10.43
